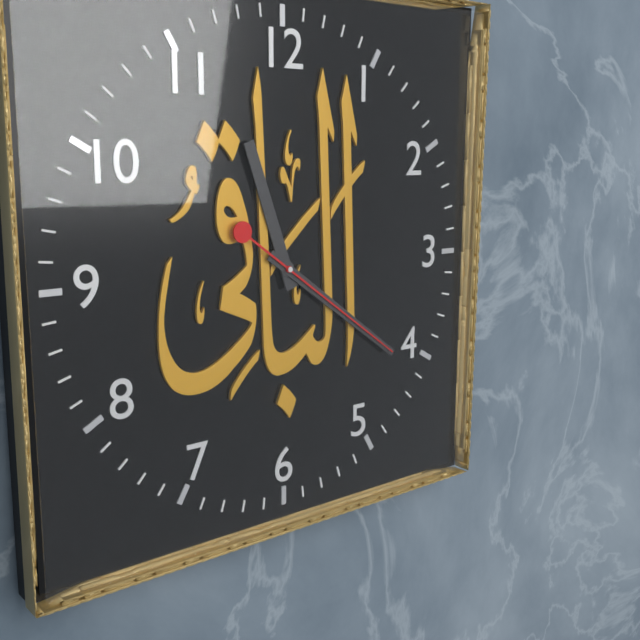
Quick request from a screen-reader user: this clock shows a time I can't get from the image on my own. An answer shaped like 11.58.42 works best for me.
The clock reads 11.21.21
